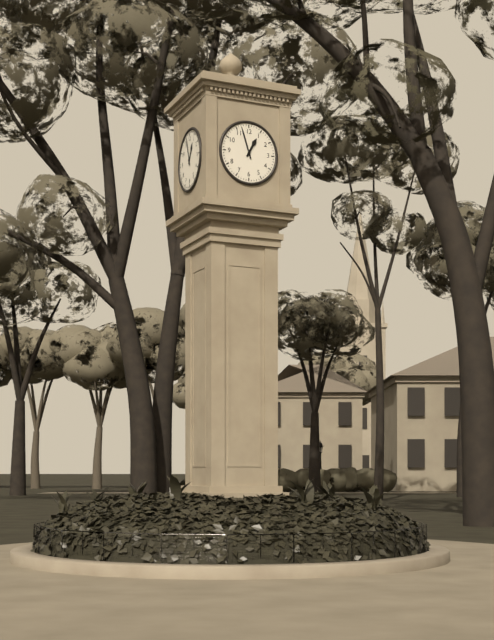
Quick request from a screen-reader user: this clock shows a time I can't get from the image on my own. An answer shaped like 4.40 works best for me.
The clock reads 12.57
